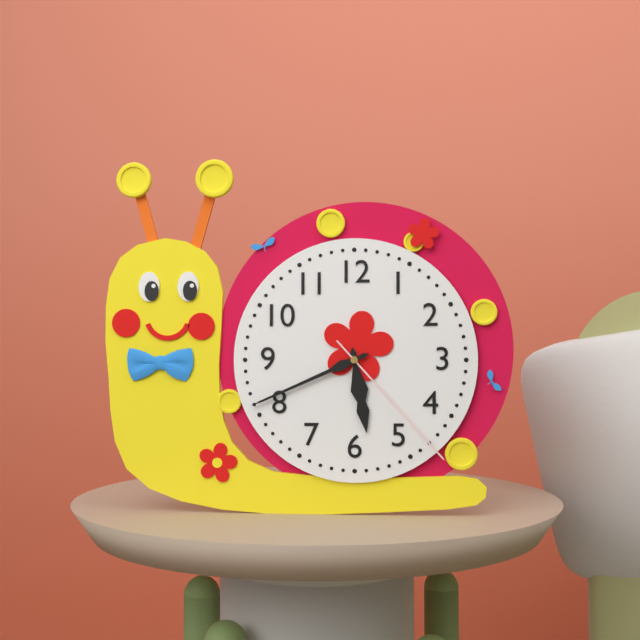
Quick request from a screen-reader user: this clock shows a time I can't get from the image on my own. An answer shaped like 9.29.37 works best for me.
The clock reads 5.41.23
